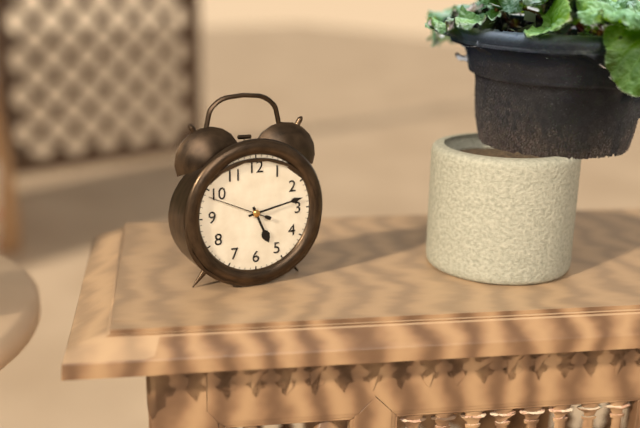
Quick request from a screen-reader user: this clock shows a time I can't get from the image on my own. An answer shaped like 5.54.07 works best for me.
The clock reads 5.13.49
